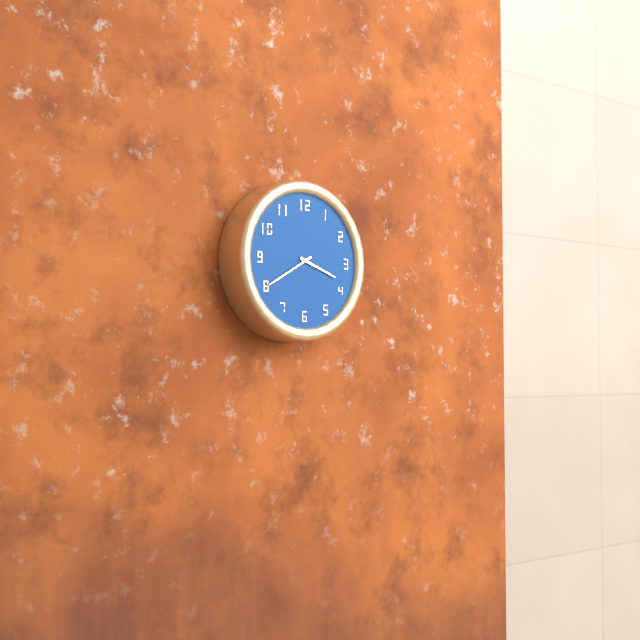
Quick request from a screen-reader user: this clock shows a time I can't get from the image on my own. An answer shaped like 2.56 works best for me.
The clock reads 3.40
